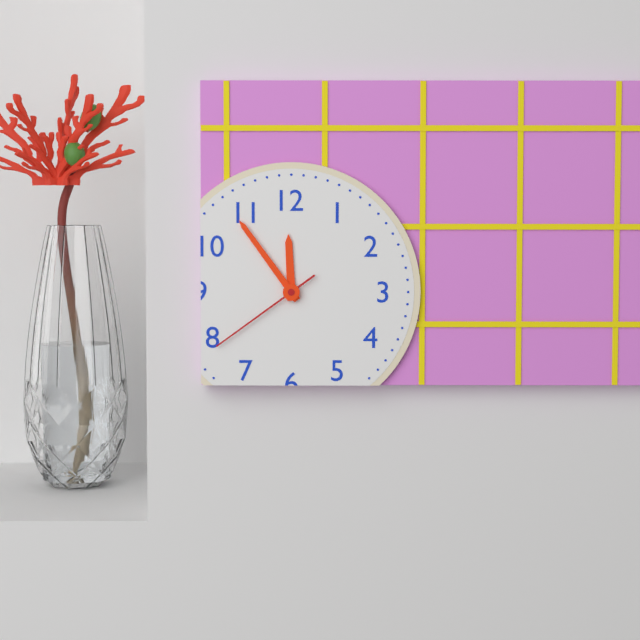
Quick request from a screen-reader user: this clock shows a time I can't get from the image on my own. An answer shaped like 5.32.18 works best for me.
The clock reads 11.54.39
